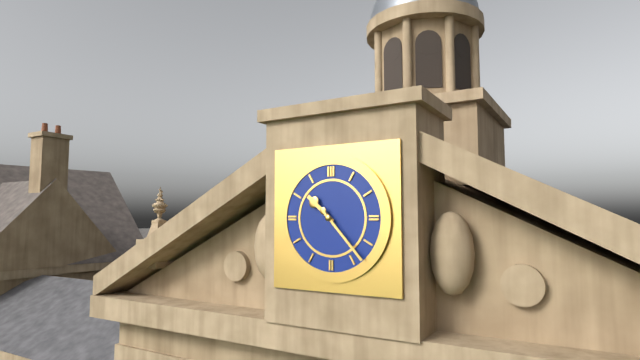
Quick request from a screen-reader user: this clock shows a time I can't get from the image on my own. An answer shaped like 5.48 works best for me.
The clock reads 10.23
